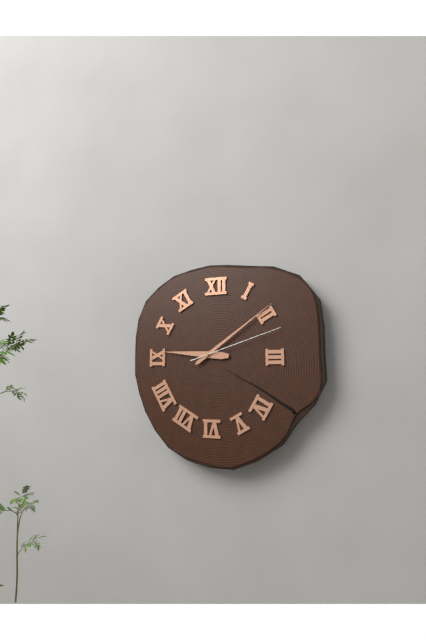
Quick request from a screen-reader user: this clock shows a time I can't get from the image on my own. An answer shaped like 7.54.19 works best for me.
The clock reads 9.09.12
